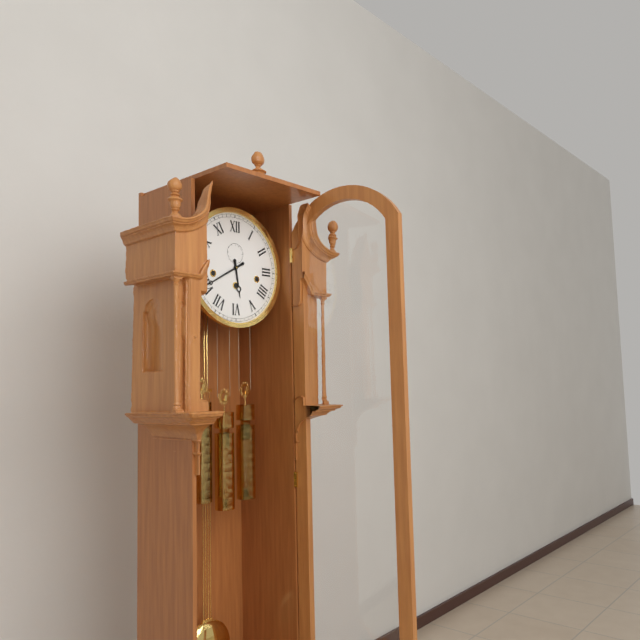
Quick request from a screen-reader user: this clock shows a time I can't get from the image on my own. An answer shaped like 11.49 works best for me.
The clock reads 5.40
